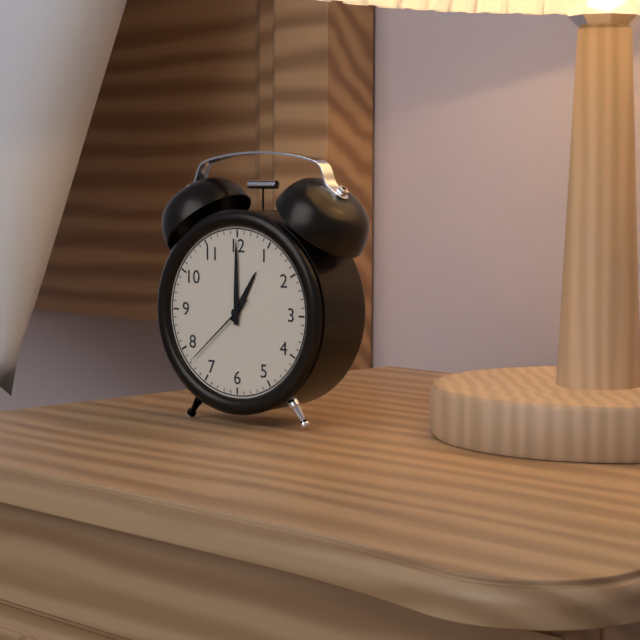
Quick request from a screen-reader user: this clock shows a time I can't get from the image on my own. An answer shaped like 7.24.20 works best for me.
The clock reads 1.00.38
